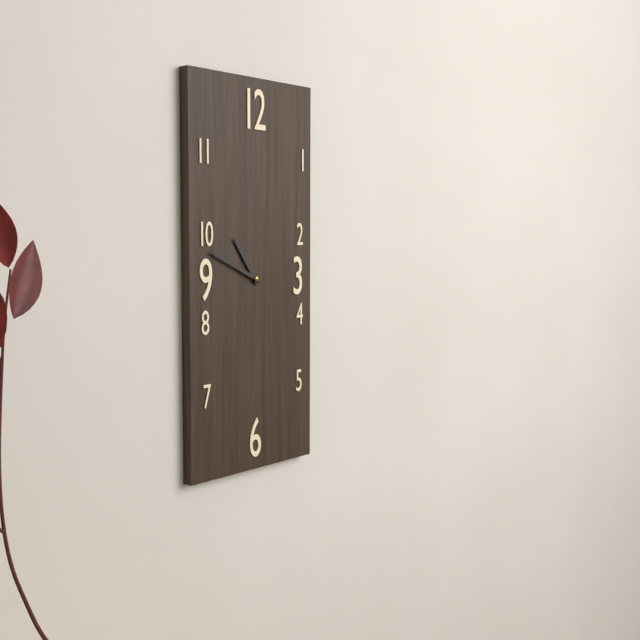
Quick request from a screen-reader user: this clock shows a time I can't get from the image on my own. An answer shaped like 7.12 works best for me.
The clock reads 10.49
